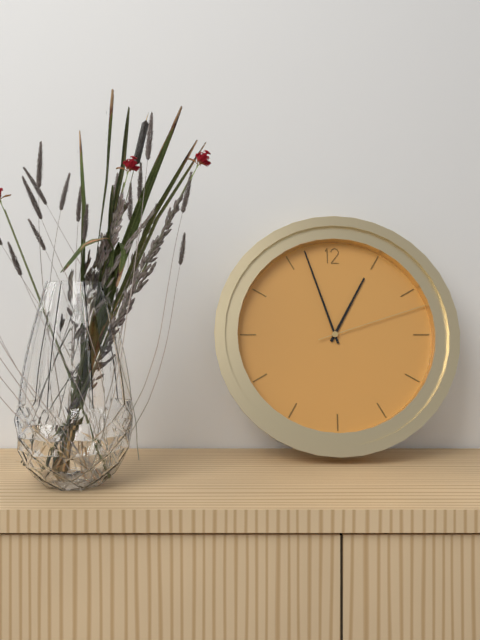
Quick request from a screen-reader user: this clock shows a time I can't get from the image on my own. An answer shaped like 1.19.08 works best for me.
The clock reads 12.57.12
